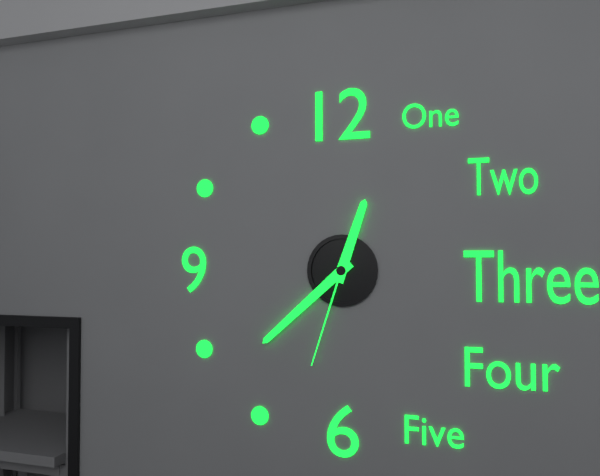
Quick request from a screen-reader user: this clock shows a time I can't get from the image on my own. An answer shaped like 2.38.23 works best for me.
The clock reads 12.38.33
